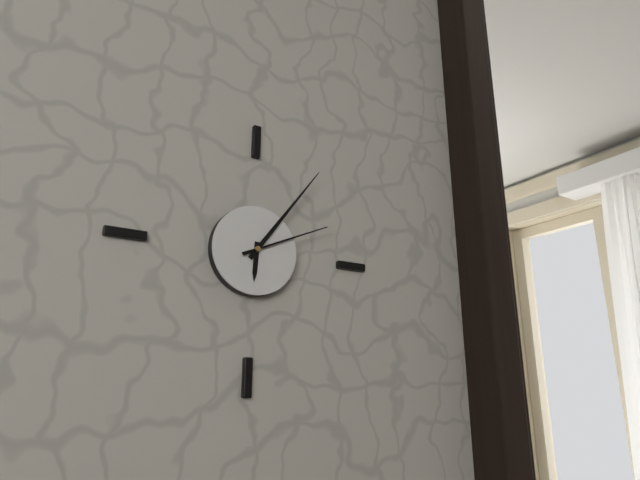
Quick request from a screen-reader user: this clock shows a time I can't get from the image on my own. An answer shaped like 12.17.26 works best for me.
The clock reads 6.06.11
